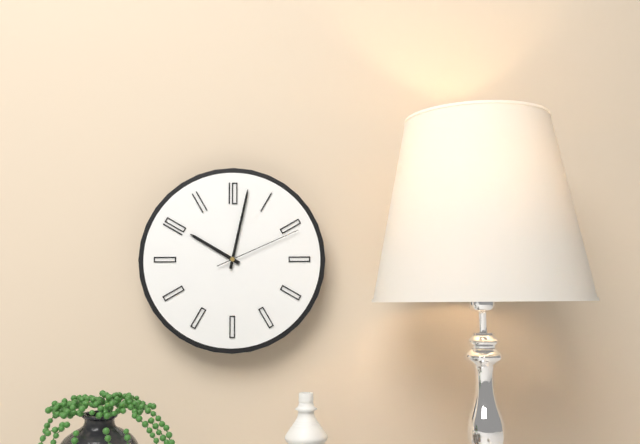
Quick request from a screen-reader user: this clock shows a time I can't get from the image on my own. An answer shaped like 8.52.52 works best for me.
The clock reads 10.02.11
